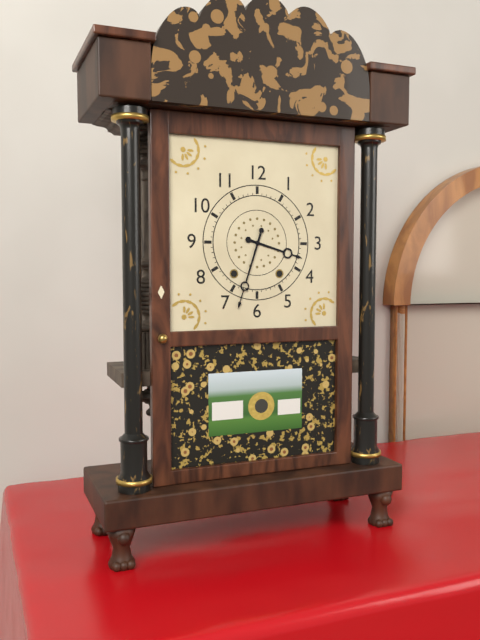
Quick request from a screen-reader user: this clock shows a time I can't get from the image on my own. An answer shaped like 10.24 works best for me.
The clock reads 3.33
